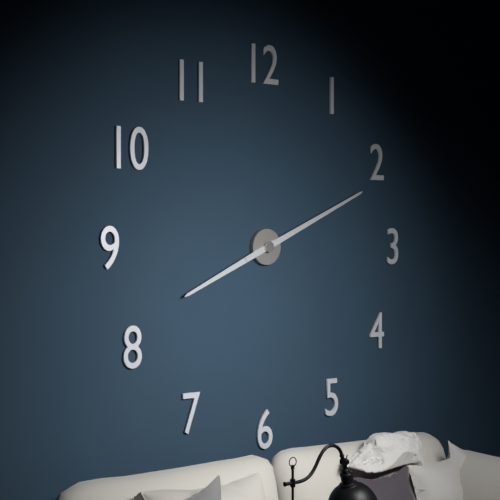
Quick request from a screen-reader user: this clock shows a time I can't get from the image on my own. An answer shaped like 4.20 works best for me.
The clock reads 8.11
